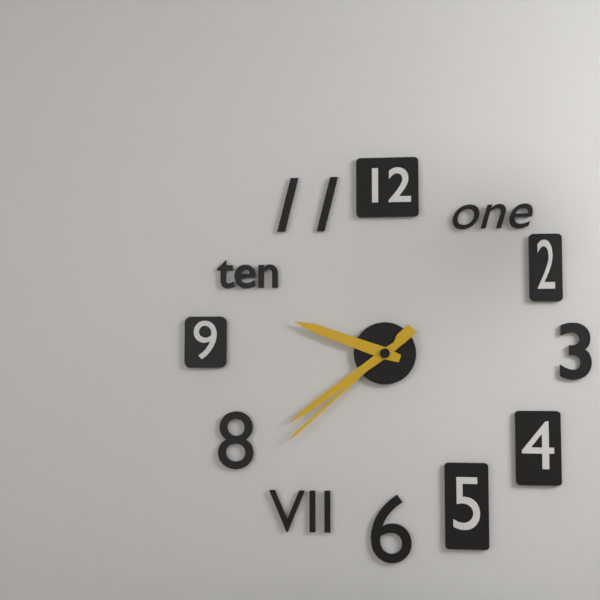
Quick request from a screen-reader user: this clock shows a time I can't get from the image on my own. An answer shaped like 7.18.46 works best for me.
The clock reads 9.39.38
